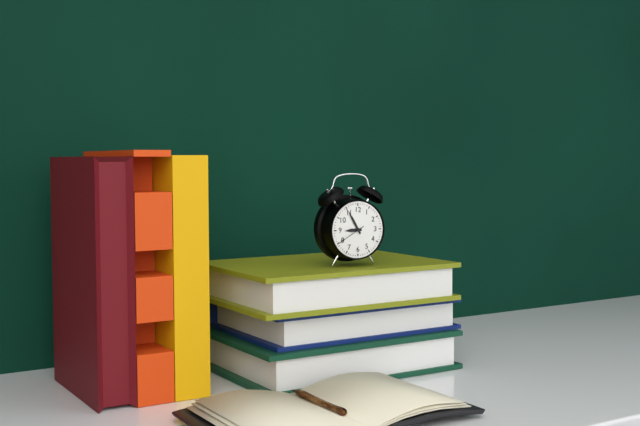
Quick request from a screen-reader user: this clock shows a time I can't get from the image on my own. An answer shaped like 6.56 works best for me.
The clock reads 8.55
